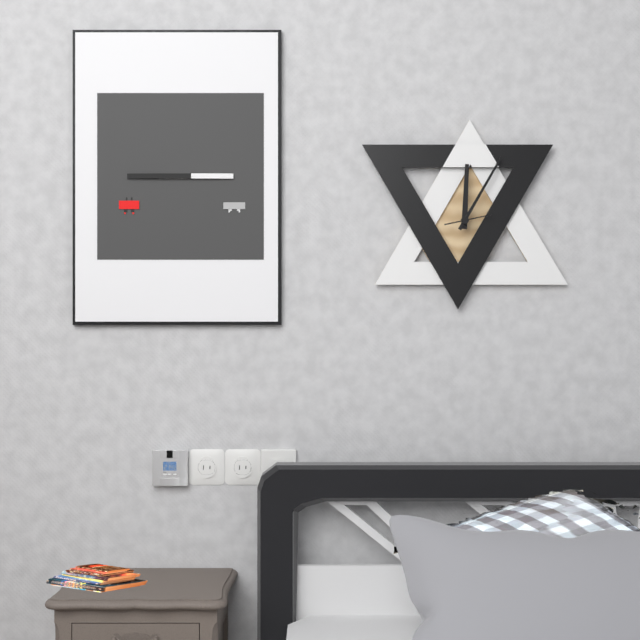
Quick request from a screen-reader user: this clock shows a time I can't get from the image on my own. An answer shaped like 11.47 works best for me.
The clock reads 12.05
